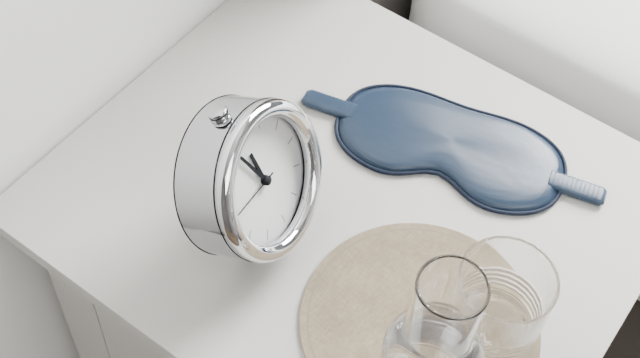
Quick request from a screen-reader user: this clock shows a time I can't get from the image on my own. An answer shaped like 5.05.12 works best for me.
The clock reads 11.57.46
